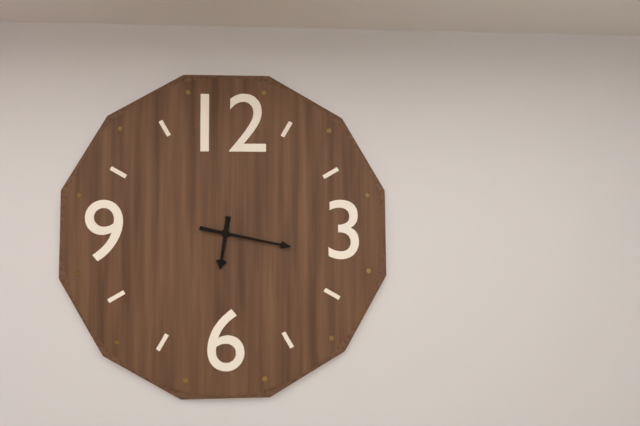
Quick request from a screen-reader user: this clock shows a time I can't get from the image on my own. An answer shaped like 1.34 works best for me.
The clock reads 6.17
